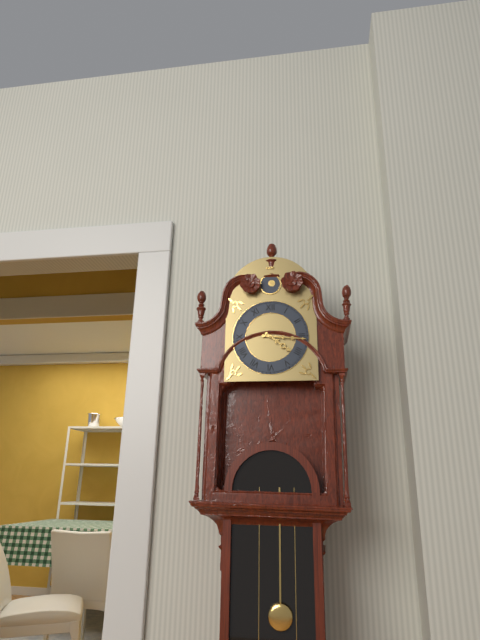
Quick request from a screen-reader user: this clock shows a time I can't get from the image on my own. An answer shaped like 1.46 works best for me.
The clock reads 4.16
